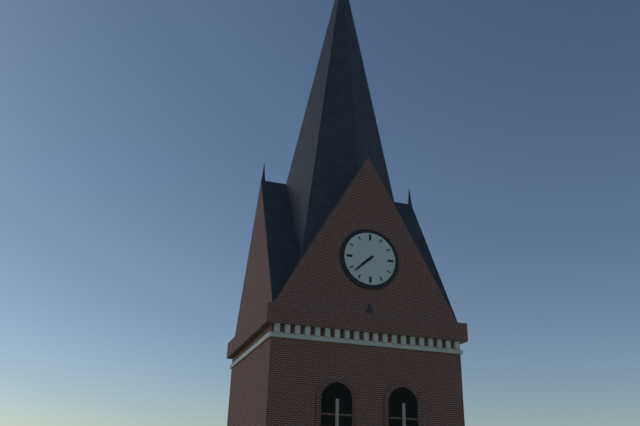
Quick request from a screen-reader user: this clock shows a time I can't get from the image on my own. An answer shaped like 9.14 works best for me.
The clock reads 7.38
